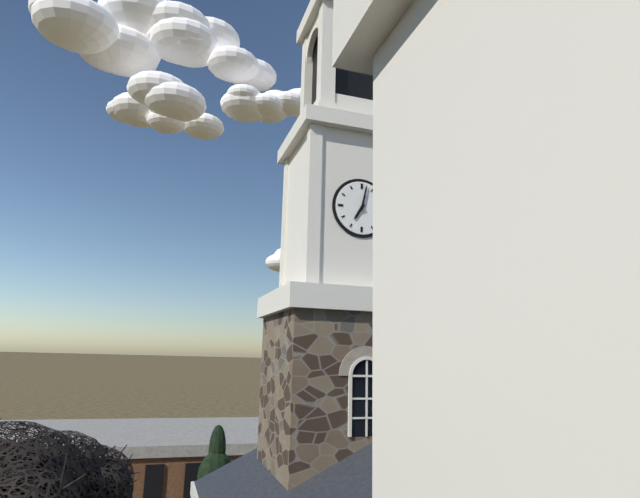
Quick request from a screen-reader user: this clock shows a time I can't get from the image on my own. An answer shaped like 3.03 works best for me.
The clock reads 7.02
